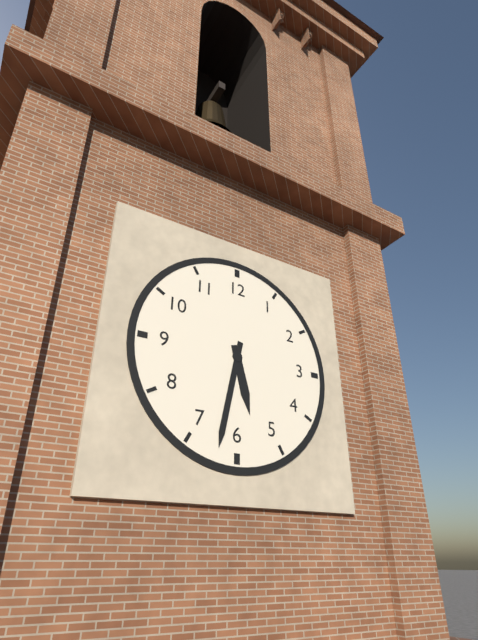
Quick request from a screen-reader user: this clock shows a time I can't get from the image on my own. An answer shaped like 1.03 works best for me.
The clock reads 5.32
